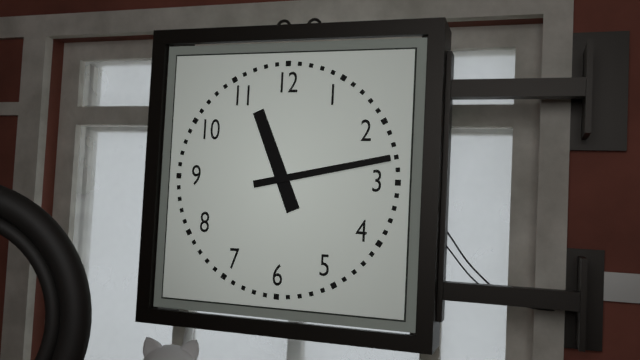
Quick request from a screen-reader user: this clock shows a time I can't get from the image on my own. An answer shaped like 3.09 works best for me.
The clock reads 11.13
